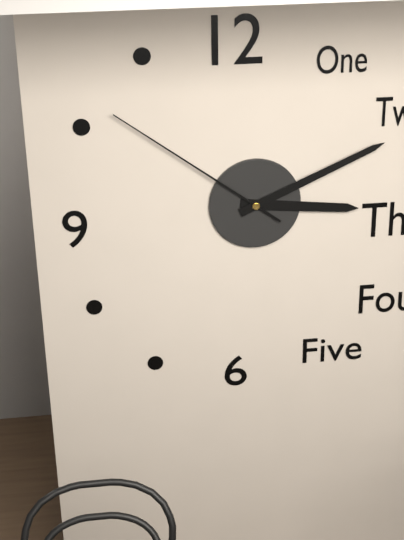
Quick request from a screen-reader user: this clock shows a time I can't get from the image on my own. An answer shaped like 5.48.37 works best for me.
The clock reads 3.11.51
